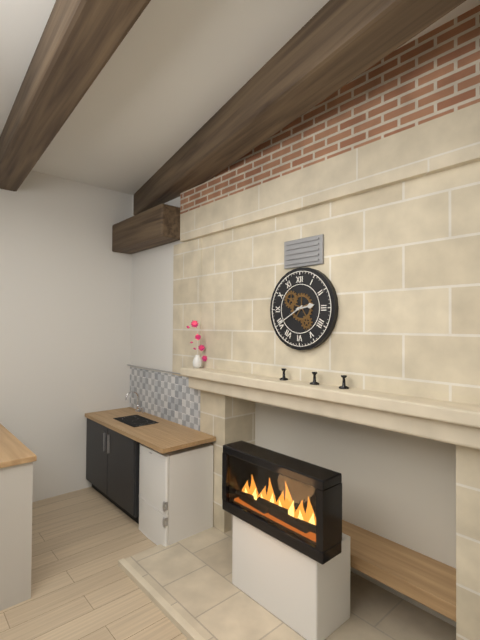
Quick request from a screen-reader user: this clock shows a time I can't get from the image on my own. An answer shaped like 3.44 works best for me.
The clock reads 2.40
